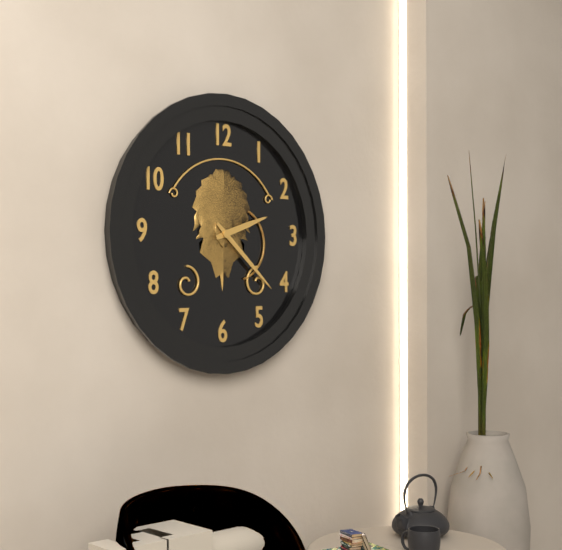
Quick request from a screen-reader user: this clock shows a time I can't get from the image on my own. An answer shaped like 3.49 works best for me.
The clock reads 2.22
